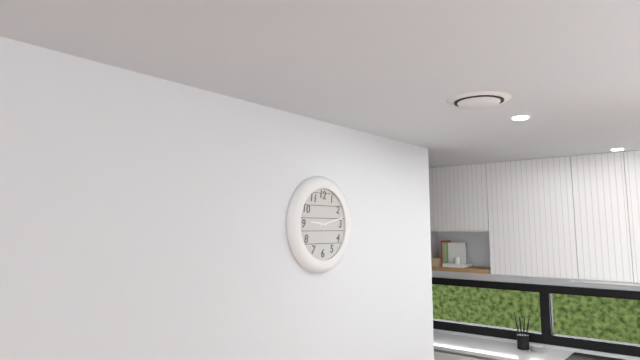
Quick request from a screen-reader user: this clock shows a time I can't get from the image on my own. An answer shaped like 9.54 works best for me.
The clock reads 9.13
